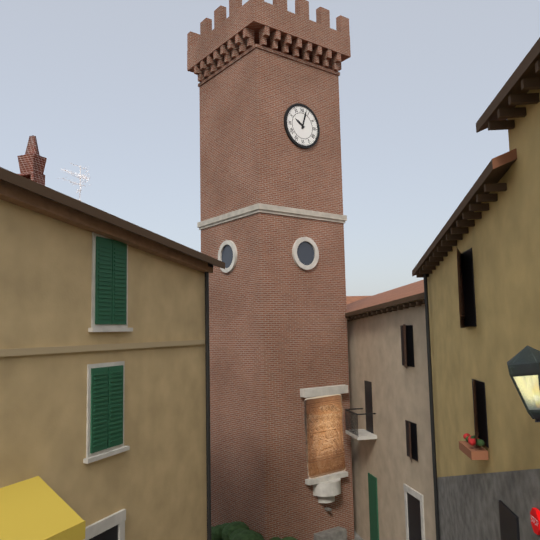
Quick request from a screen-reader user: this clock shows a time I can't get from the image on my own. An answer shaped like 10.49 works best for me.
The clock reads 10.03
